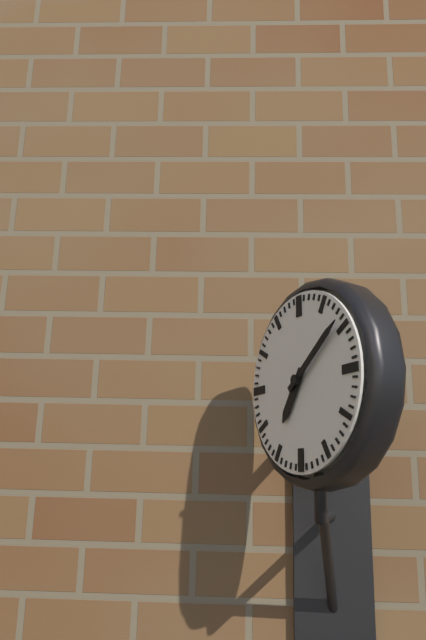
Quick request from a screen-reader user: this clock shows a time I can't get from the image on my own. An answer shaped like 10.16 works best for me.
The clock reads 7.09
